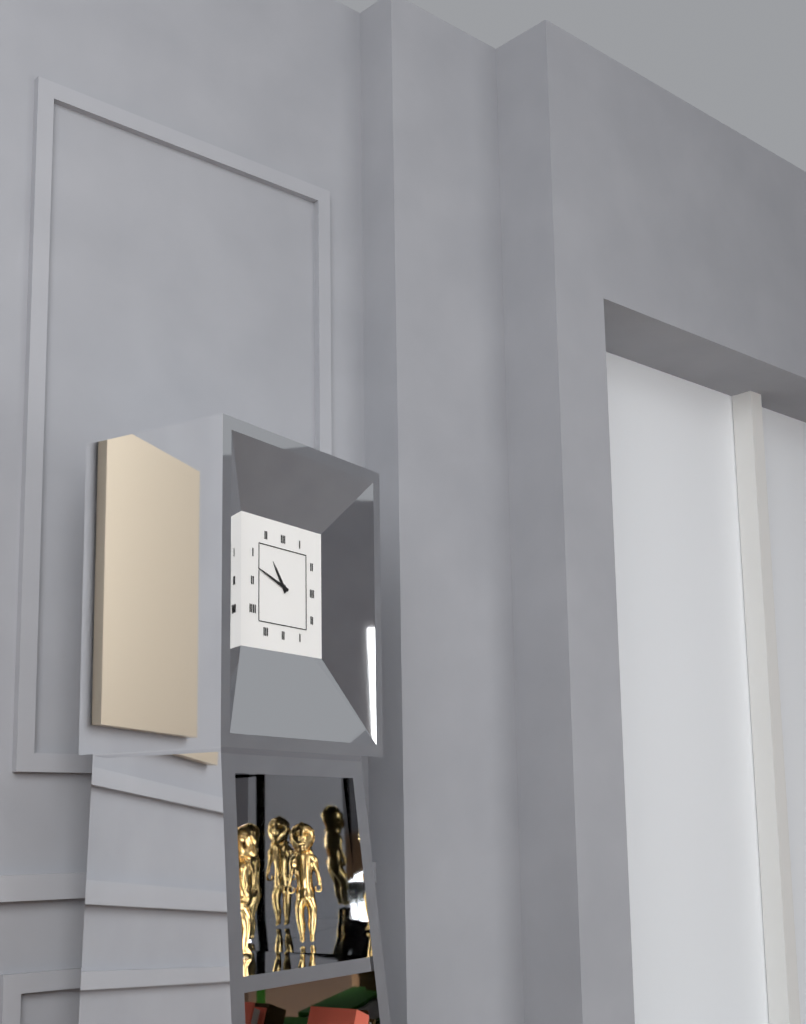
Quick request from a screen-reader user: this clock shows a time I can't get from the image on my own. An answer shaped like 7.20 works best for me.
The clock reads 10.48
